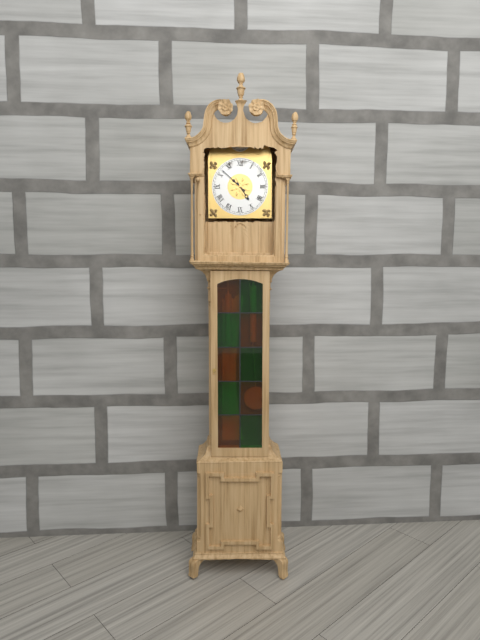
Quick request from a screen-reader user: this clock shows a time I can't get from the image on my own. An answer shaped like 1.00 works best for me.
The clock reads 4.52
